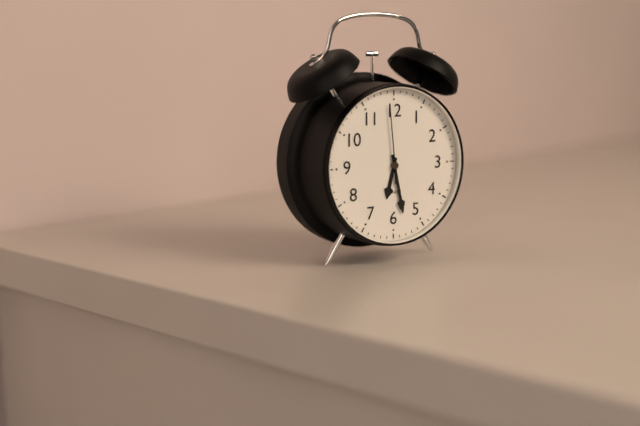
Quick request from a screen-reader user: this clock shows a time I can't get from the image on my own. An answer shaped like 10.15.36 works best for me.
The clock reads 6.28.59
